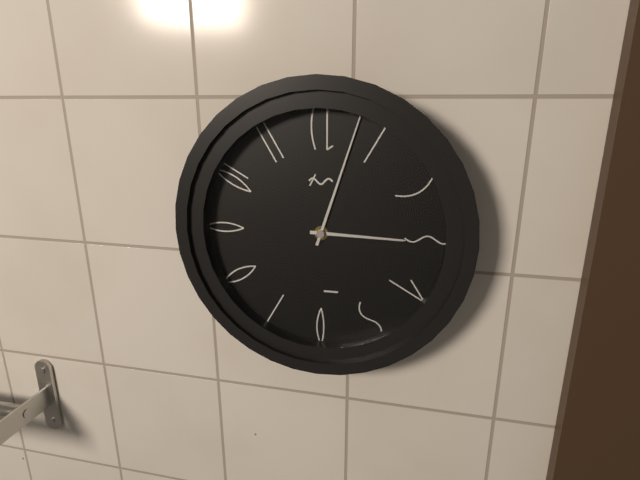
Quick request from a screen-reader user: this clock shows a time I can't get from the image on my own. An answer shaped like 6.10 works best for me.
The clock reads 3.03
